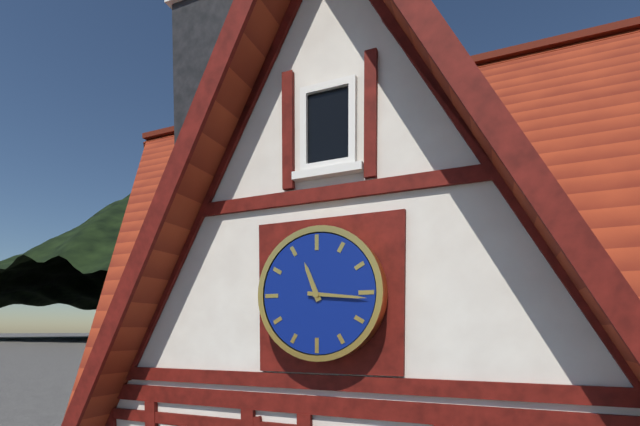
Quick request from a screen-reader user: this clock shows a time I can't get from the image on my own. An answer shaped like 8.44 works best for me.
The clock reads 11.16
